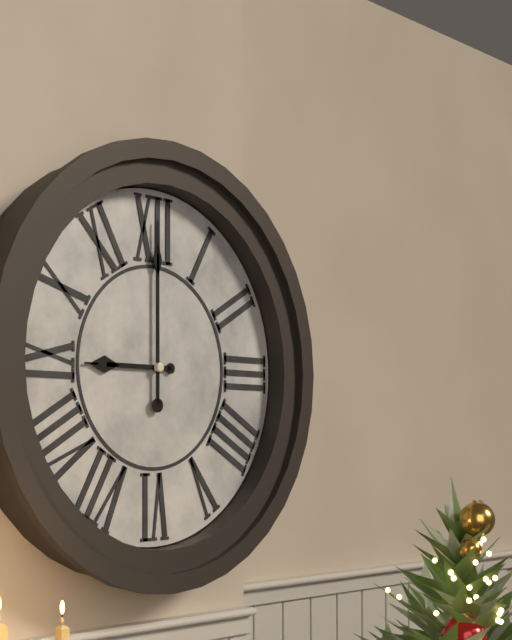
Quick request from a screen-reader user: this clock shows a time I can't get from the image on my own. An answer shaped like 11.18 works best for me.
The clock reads 9.00
